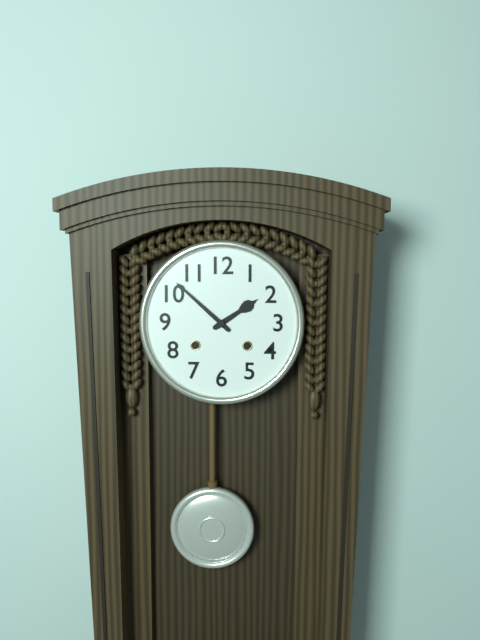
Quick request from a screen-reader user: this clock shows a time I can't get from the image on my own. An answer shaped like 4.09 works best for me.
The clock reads 1.52
